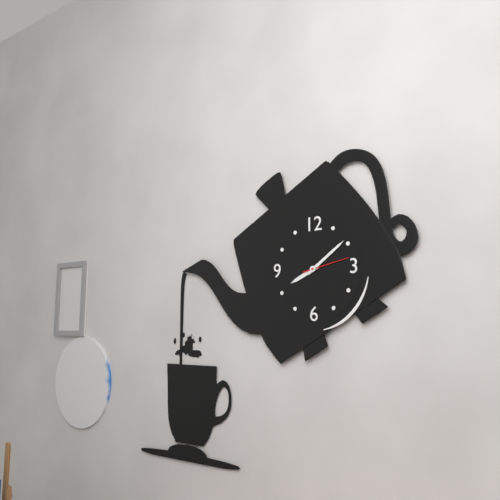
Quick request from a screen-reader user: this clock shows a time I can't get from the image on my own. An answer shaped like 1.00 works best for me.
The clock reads 8.09
